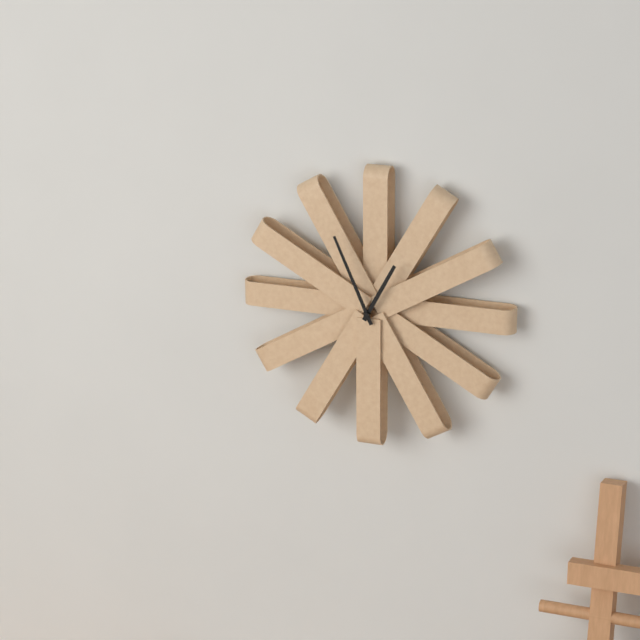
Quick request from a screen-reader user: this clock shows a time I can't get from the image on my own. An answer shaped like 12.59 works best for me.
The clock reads 12.56
